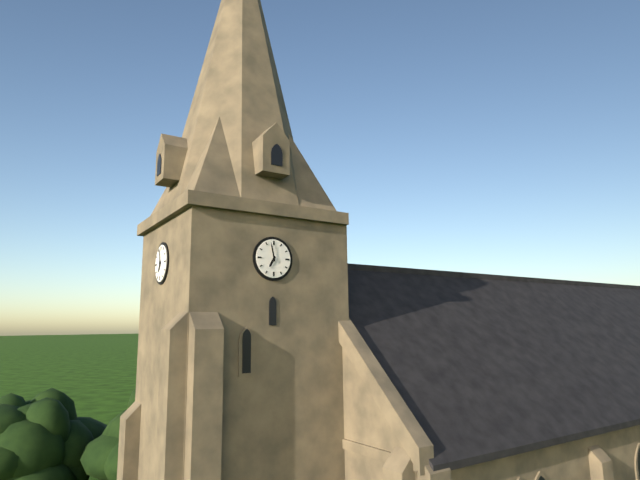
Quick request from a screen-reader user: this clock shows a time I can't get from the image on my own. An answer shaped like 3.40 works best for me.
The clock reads 6.58
